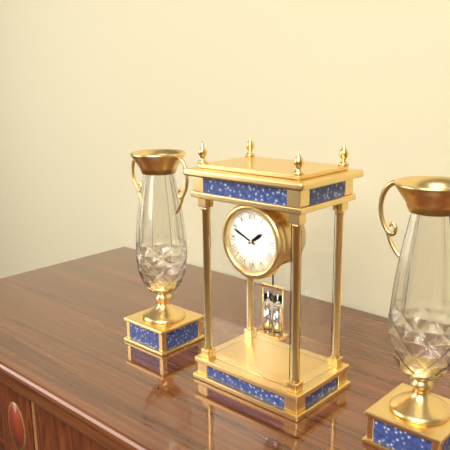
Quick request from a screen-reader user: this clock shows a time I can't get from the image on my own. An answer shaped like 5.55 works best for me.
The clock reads 1.49
